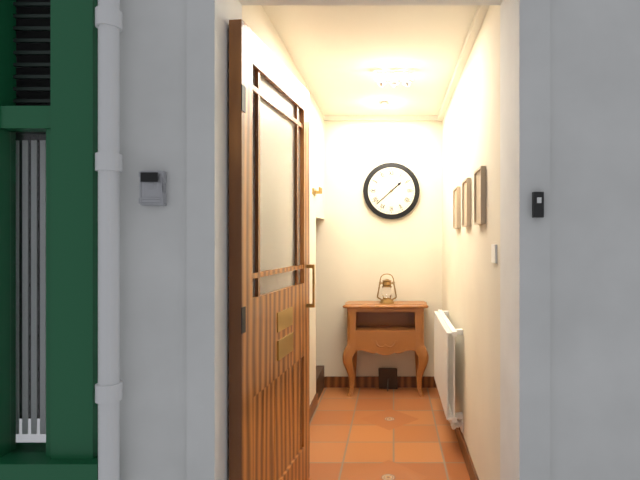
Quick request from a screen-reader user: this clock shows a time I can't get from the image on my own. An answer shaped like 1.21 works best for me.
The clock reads 1.38
